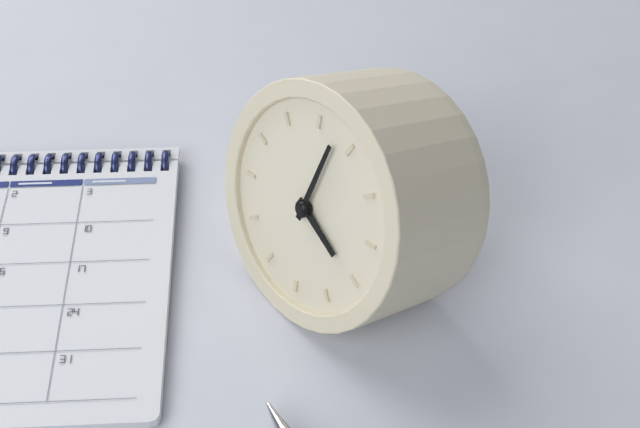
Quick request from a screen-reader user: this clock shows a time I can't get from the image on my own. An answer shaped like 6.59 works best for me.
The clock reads 4.03
